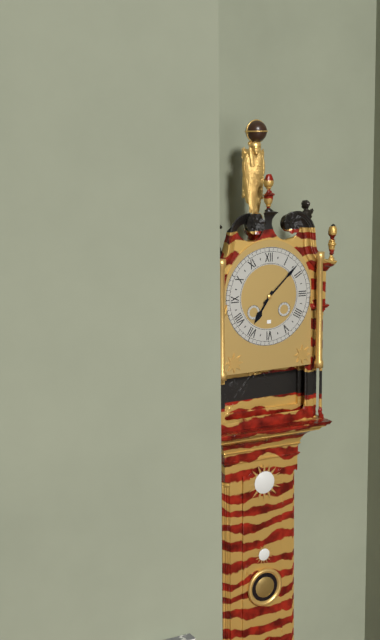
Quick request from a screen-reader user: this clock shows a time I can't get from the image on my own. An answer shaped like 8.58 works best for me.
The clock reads 7.08
